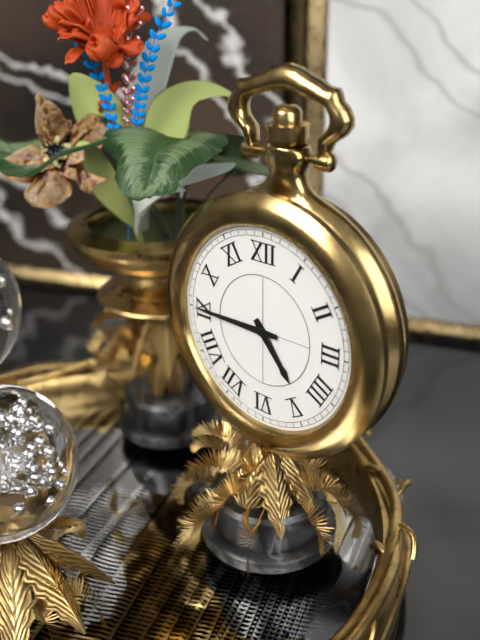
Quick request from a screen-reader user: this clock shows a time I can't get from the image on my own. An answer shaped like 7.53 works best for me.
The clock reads 4.45
